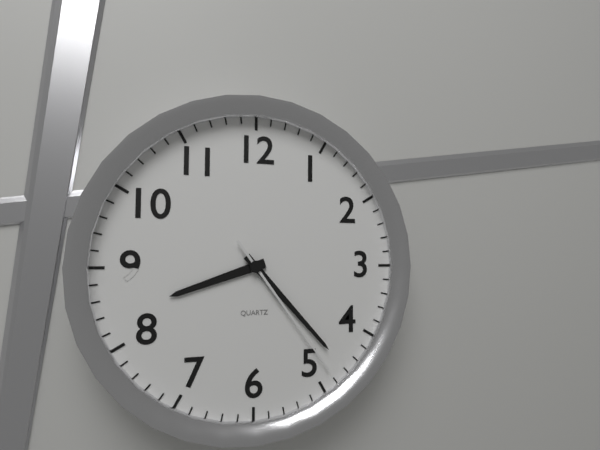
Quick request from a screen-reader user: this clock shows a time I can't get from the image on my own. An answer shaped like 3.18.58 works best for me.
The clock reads 8.23.24
